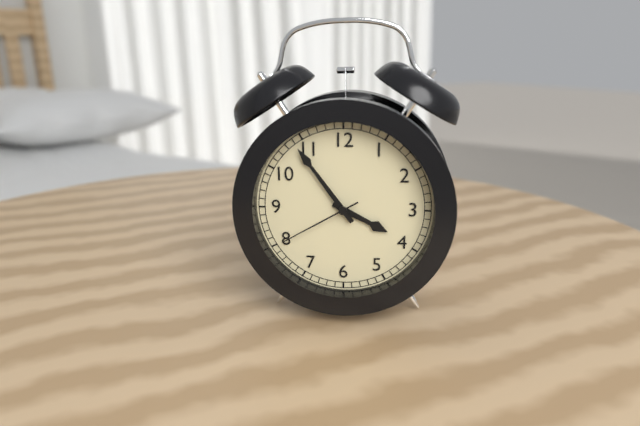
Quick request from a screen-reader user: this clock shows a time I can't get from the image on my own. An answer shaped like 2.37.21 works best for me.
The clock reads 3.54.40
